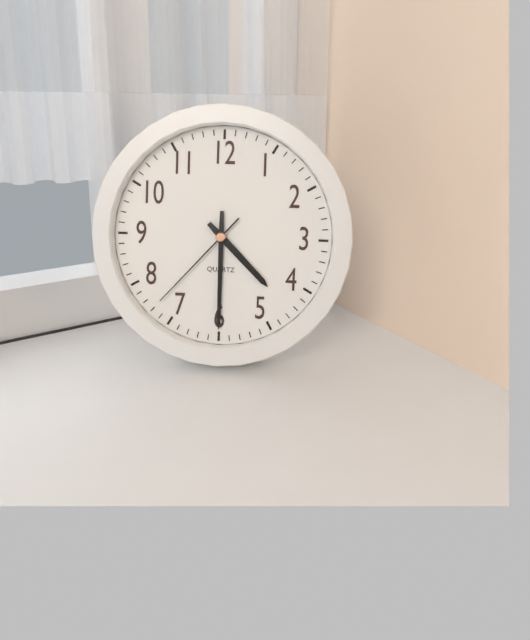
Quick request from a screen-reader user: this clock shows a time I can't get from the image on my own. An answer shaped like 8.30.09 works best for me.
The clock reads 4.30.37
